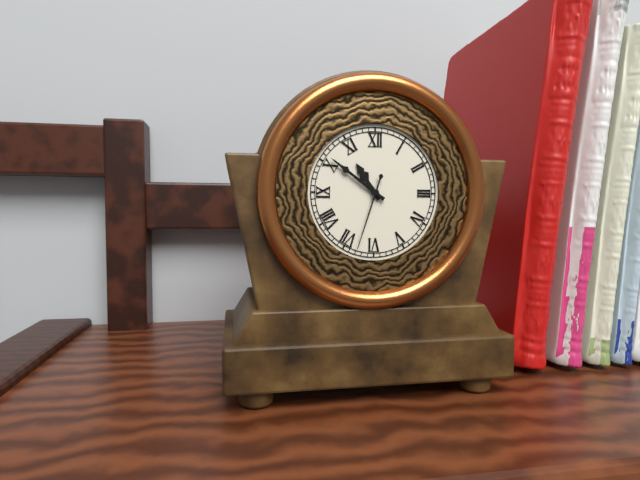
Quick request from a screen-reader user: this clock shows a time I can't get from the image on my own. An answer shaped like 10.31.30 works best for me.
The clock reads 10.51.33
